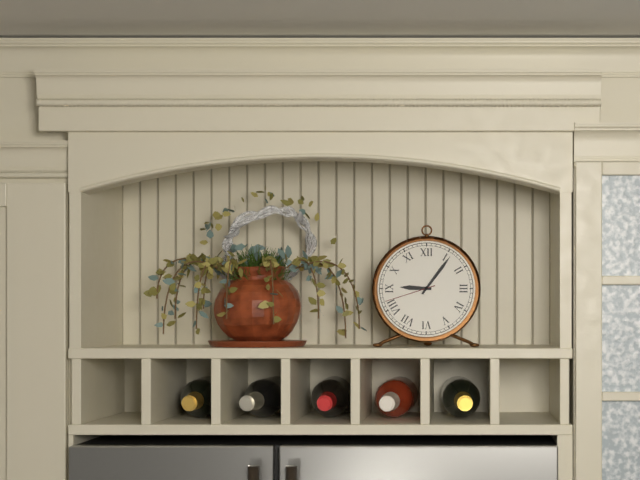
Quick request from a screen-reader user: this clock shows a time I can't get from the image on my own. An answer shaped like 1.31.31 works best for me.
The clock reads 9.06.42
